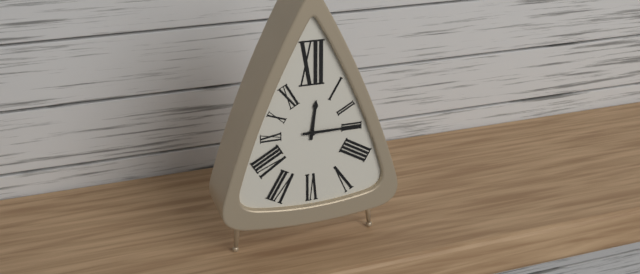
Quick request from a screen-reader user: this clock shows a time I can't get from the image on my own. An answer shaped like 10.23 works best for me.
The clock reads 12.15
